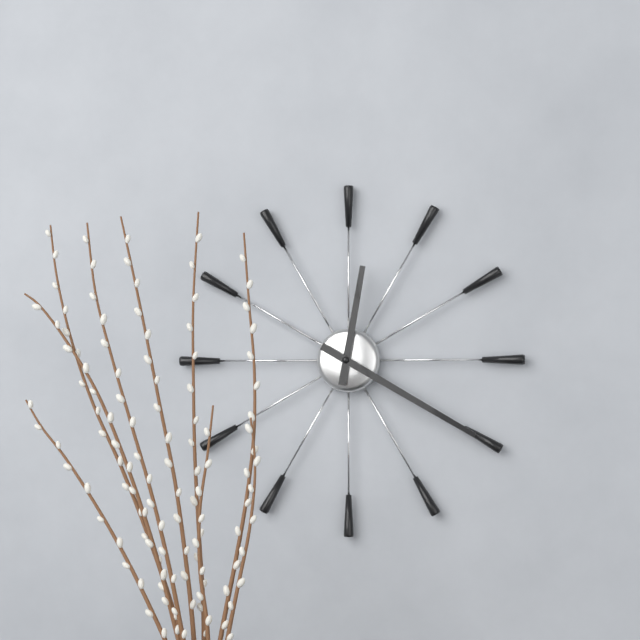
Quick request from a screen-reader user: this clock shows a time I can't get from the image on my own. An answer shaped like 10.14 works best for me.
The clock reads 12.20
